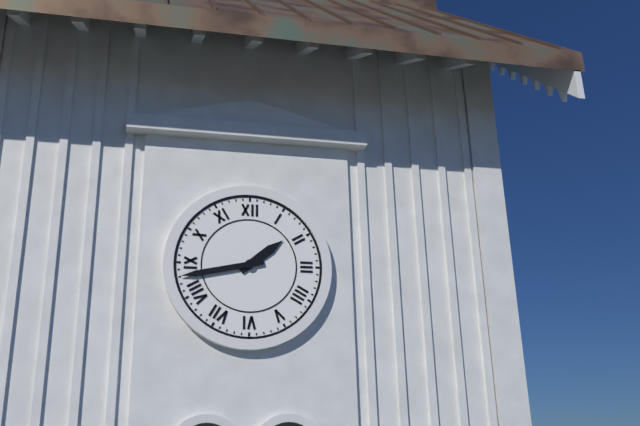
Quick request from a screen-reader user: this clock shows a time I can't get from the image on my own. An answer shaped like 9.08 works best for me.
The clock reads 1.43
